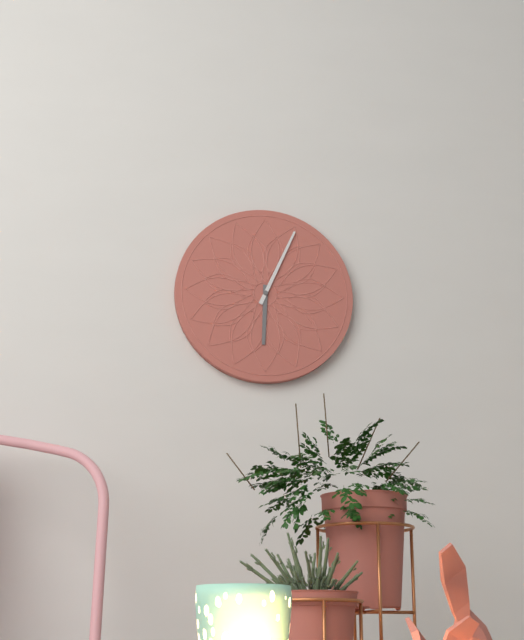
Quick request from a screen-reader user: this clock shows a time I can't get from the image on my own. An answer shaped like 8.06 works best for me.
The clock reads 6.04
